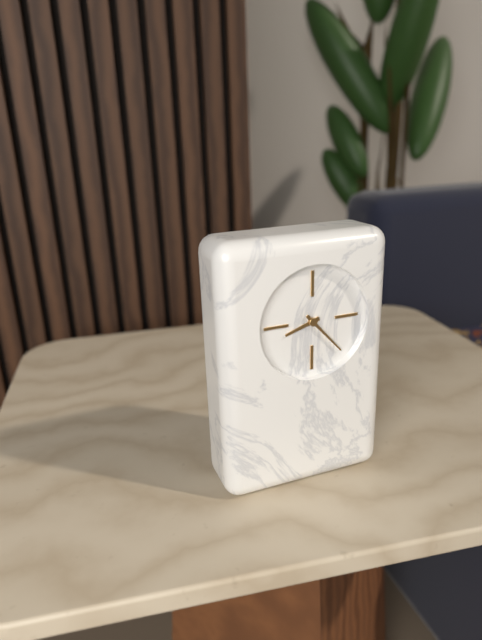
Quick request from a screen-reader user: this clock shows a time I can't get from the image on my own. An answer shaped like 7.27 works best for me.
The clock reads 8.23
